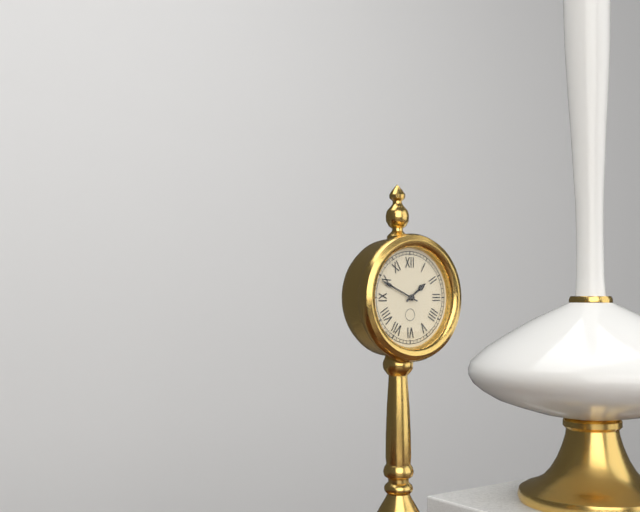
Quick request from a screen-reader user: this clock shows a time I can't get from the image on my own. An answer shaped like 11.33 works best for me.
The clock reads 1.49
